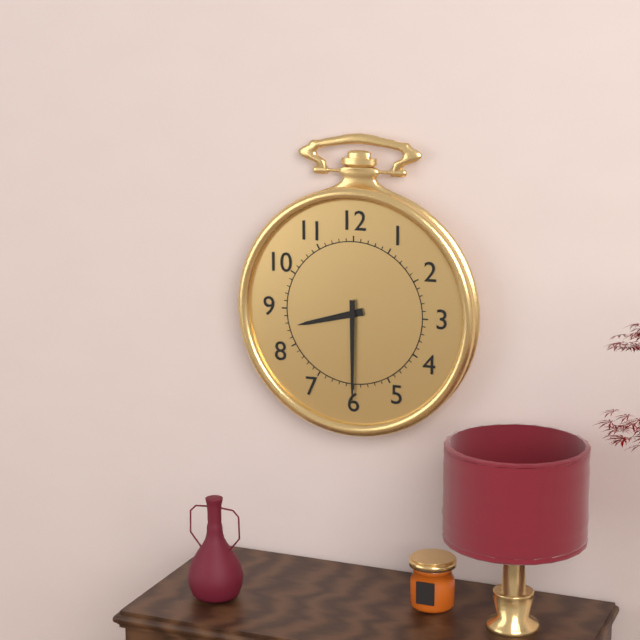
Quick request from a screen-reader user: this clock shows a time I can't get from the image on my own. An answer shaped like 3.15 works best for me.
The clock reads 8.30
